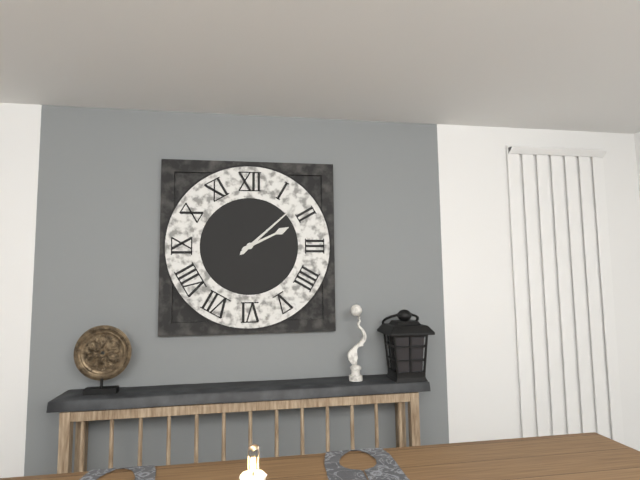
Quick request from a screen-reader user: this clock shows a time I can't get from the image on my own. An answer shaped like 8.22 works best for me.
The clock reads 2.08
